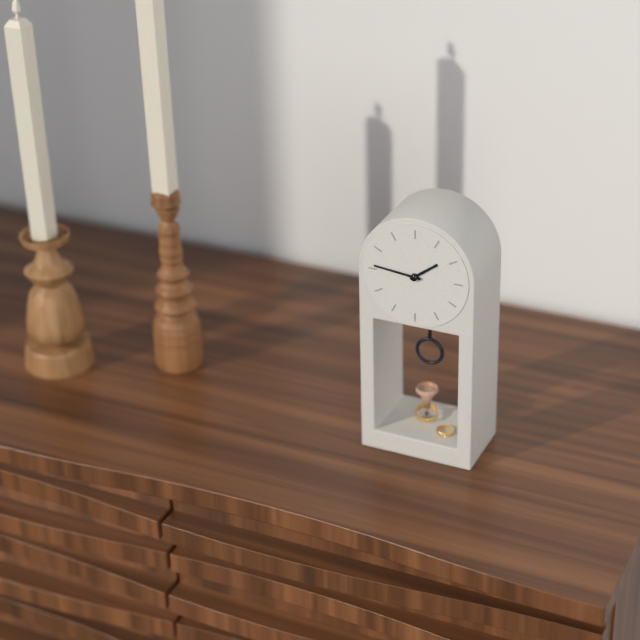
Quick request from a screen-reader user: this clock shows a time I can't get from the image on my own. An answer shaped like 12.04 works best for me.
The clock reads 1.46
